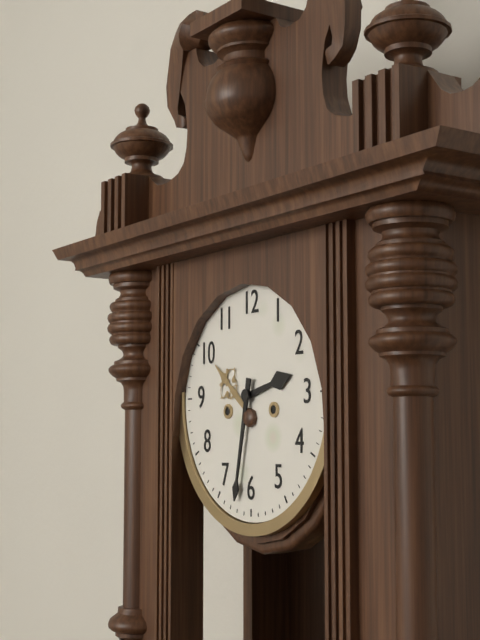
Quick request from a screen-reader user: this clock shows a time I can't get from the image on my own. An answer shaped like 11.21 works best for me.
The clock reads 2.32
